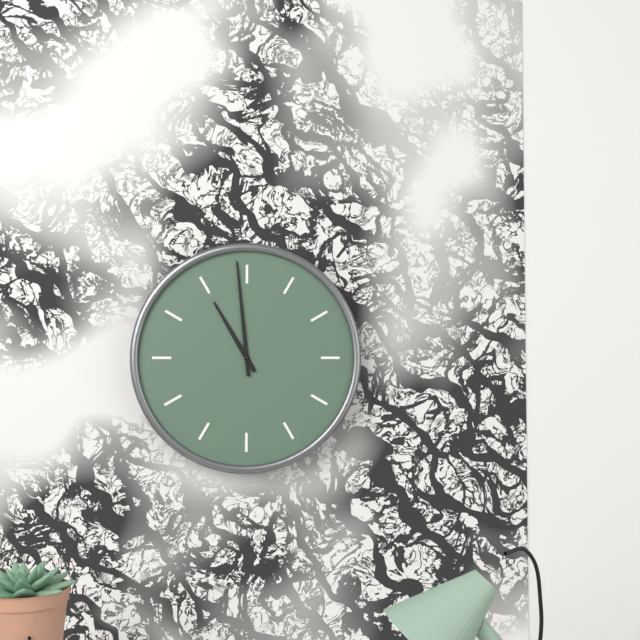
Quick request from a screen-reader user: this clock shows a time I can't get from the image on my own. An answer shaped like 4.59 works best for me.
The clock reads 10.59
